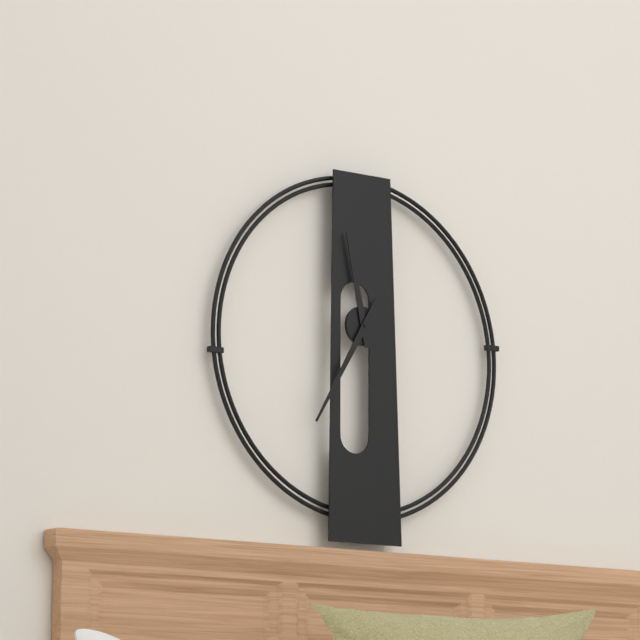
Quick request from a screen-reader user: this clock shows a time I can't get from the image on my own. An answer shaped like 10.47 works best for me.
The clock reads 11.35
